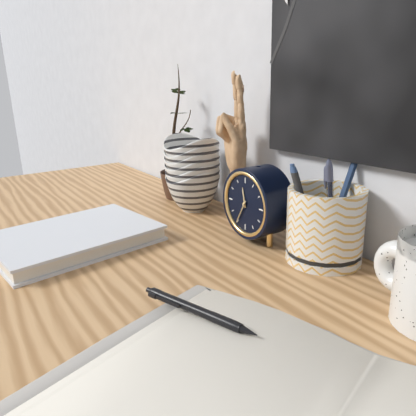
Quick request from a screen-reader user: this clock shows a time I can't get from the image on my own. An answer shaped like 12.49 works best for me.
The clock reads 11.35
